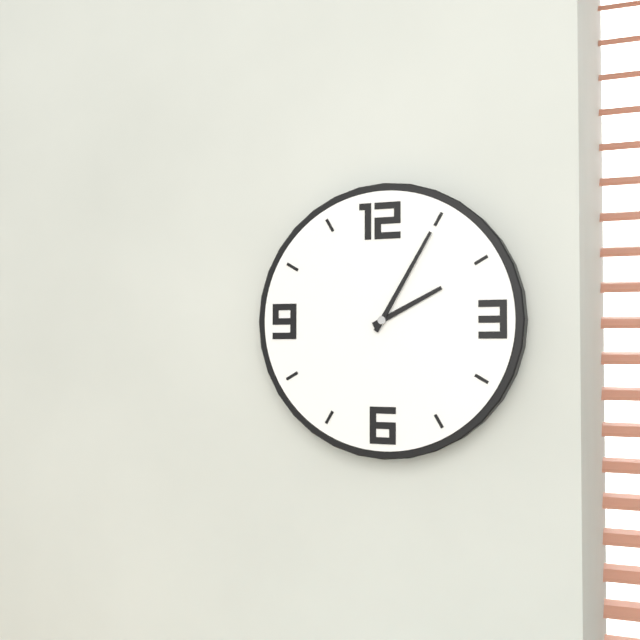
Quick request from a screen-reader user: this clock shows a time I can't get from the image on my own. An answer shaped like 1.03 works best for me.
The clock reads 2.05
